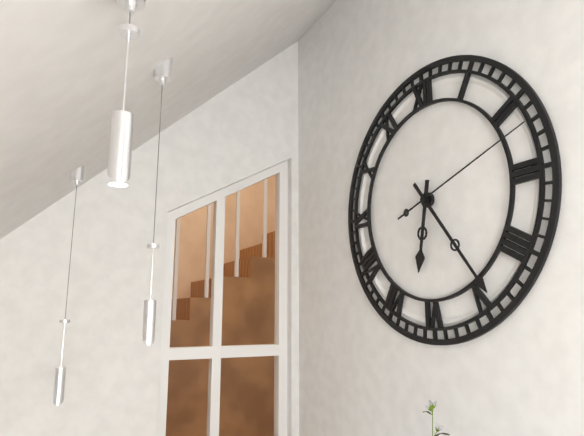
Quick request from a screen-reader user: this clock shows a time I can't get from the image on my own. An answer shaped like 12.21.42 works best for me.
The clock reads 6.24.12
